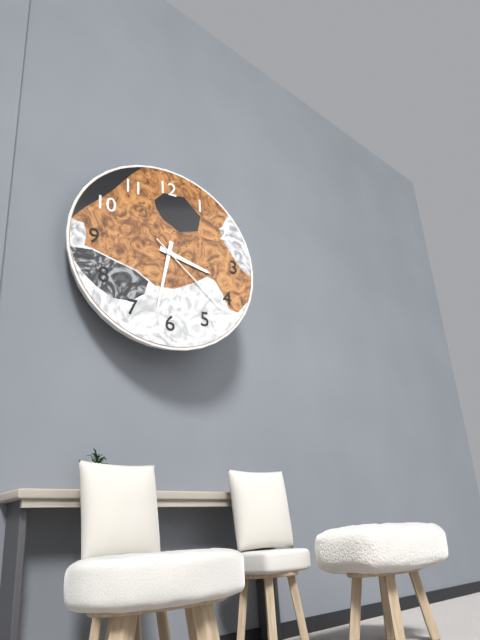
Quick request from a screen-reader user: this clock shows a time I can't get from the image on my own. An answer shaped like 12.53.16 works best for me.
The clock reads 3.32.22
